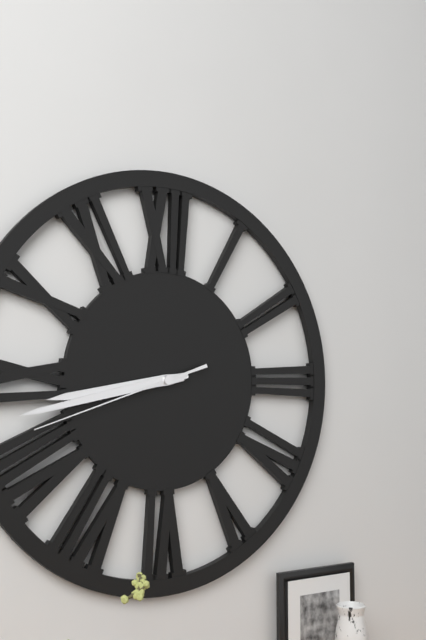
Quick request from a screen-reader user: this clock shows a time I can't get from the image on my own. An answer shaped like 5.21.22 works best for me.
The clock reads 8.43.42
